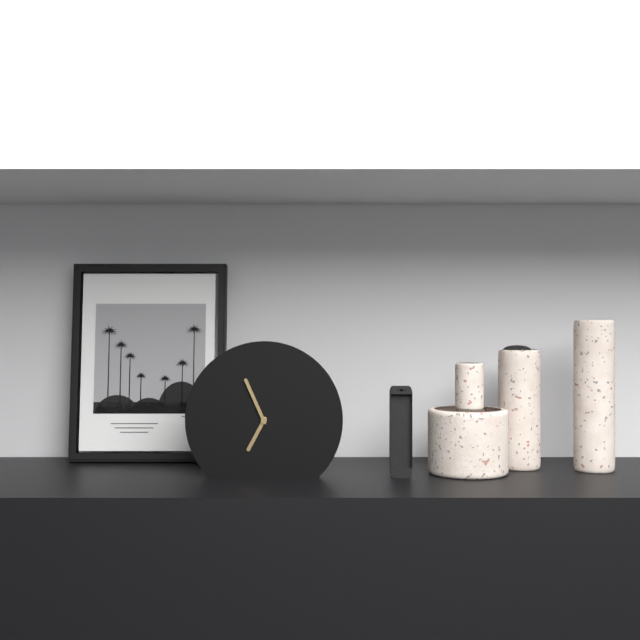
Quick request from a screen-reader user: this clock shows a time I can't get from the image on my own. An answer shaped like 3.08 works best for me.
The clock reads 6.56
